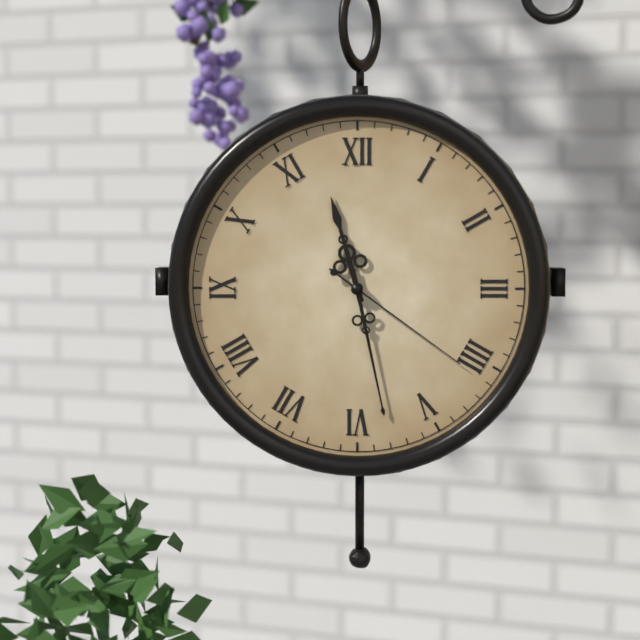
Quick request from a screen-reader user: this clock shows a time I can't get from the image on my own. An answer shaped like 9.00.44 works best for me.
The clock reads 11.28.21
